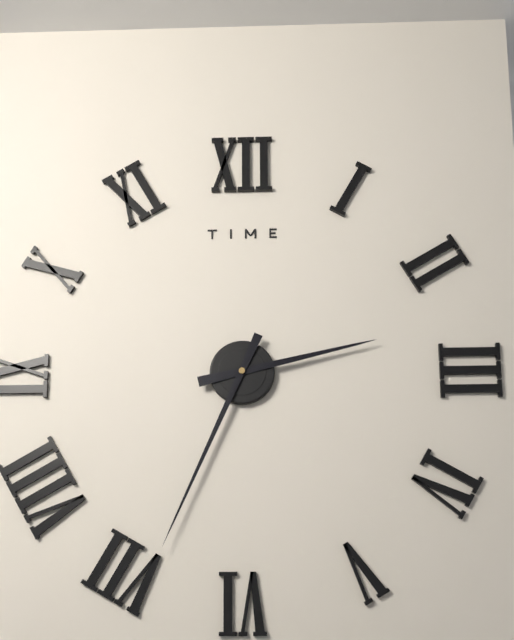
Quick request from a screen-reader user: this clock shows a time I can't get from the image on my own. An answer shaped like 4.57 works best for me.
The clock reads 2.34
